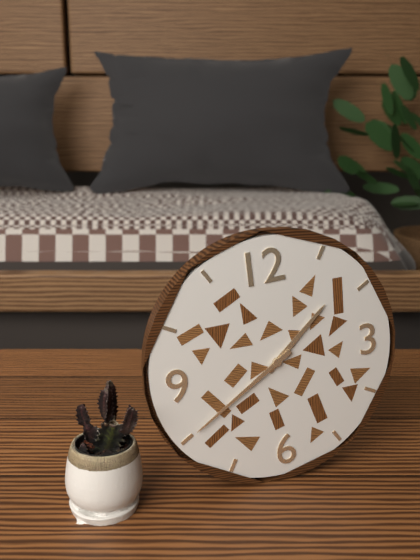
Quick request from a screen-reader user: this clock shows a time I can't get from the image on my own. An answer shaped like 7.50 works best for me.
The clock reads 1.40
